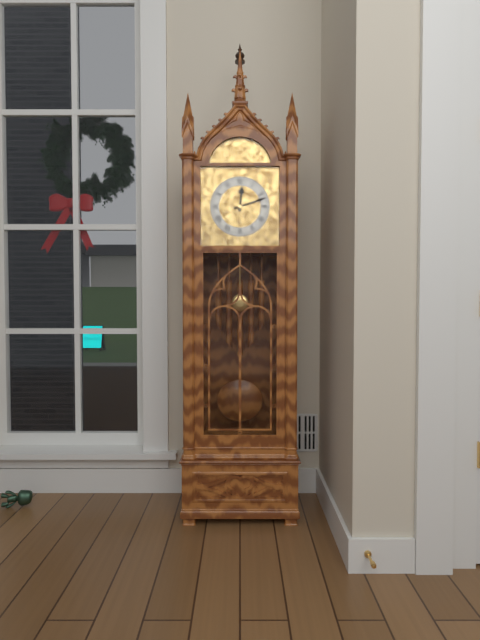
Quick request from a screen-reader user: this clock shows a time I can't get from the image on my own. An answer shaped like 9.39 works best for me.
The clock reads 12.12
